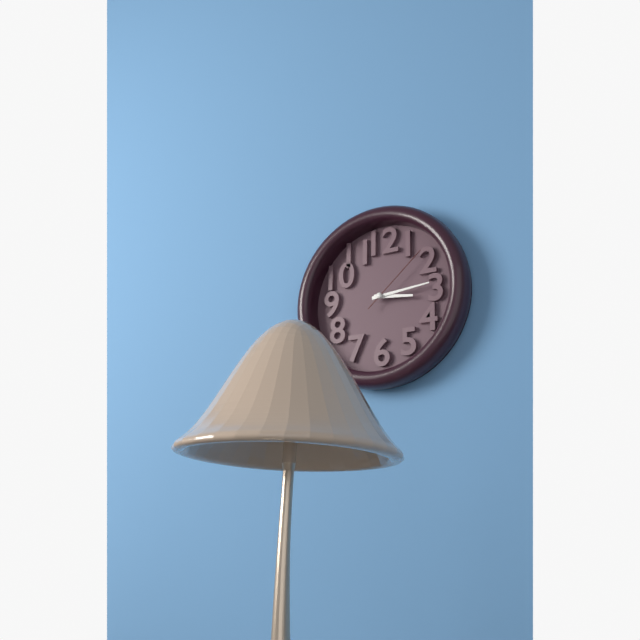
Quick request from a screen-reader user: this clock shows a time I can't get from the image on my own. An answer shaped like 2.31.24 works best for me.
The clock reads 3.14.08
